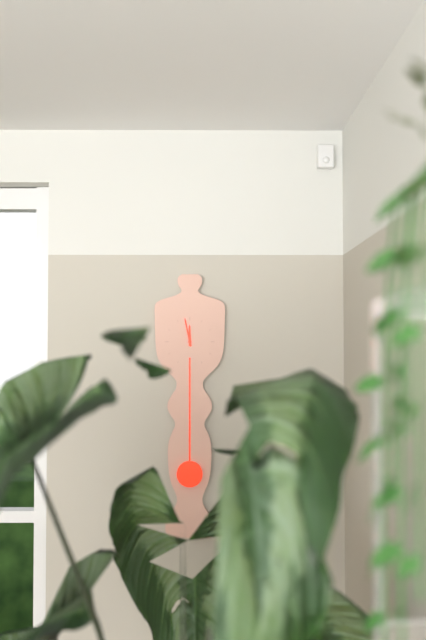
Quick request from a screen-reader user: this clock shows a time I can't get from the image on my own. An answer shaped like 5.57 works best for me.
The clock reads 11.58
